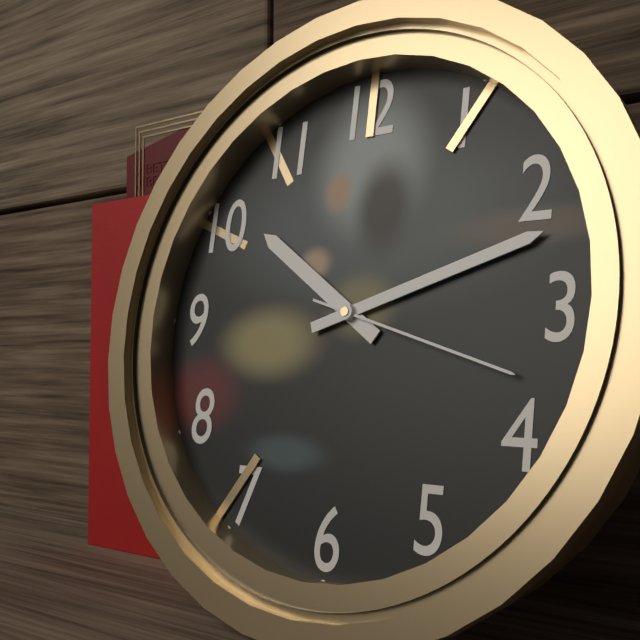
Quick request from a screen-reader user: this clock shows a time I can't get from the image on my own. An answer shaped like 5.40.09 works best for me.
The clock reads 10.12.18
